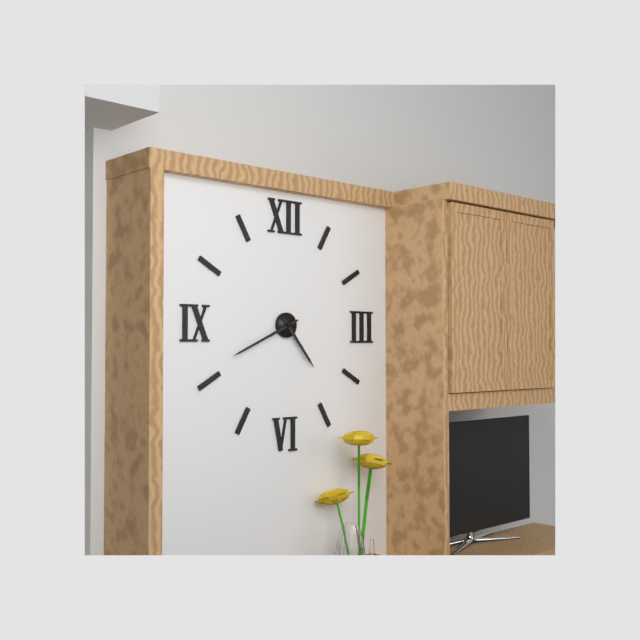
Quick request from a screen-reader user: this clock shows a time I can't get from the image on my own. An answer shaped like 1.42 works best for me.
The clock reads 4.41
